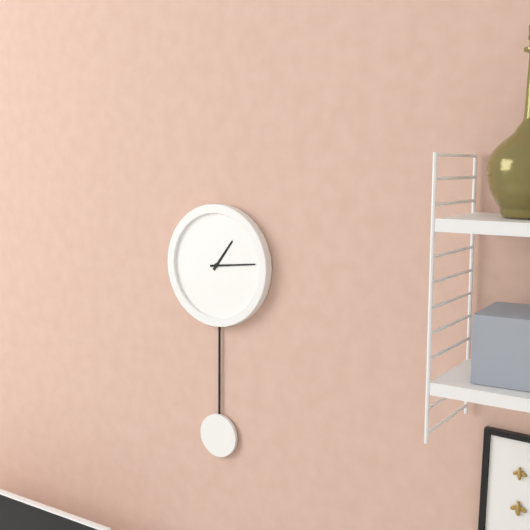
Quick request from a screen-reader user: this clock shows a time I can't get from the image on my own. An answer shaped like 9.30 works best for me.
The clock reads 1.14
